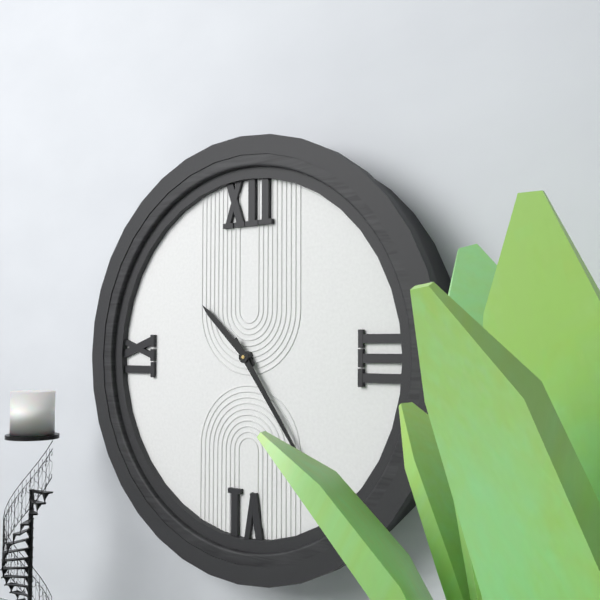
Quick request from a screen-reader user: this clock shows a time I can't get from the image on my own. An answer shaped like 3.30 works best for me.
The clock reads 10.24
